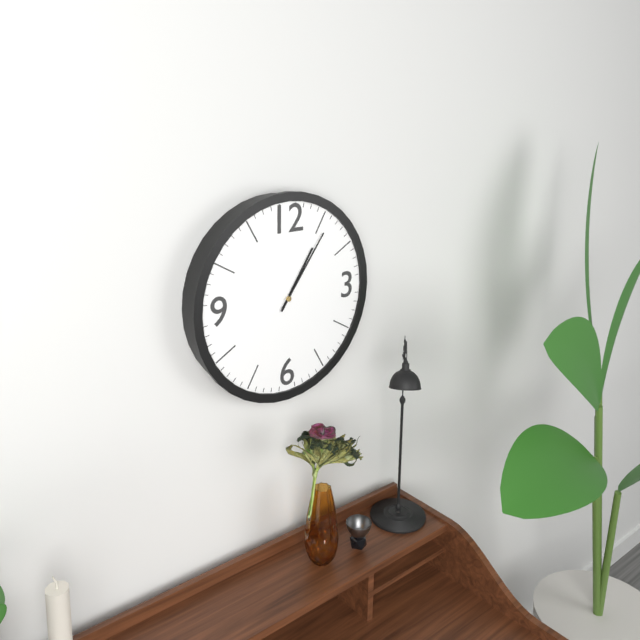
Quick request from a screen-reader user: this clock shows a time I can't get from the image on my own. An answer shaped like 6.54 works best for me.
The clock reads 1.06
